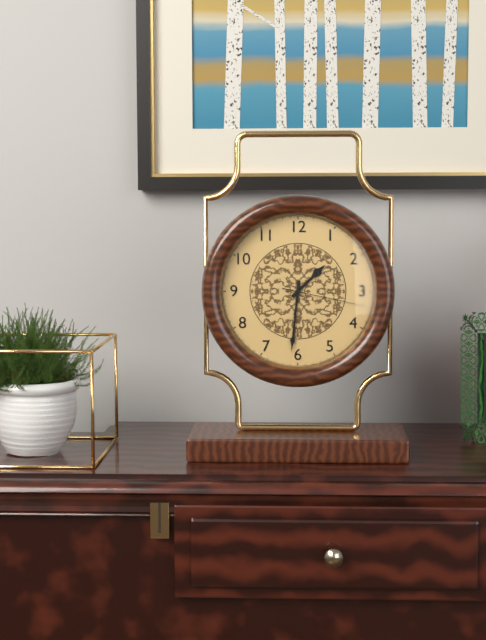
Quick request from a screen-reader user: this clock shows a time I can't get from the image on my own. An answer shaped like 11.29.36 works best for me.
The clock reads 1.31.17
